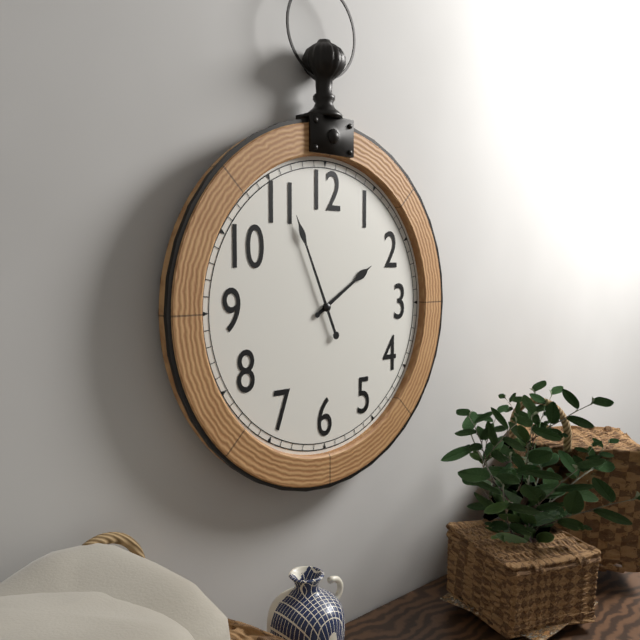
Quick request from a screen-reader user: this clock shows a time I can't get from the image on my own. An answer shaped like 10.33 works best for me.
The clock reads 1.56
